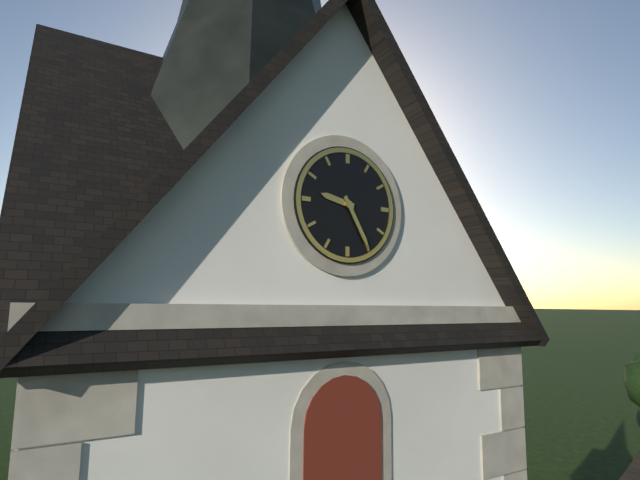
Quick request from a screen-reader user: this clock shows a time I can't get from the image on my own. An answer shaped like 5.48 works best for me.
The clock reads 9.25
